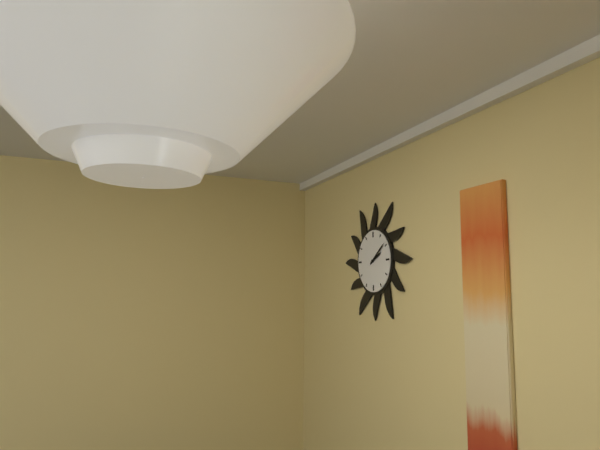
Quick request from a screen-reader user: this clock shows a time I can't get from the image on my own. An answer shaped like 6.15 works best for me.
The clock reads 2.09
